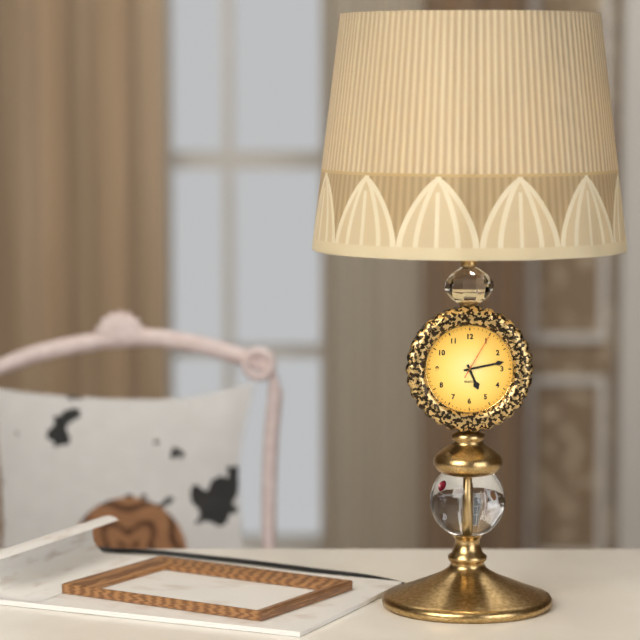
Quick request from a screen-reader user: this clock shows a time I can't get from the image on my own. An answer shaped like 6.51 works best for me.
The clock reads 5.13
